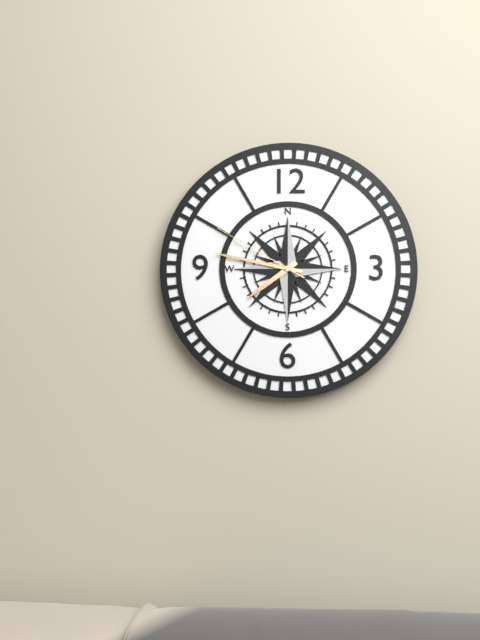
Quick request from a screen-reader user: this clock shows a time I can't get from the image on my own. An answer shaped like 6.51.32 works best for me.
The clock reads 7.47.50
